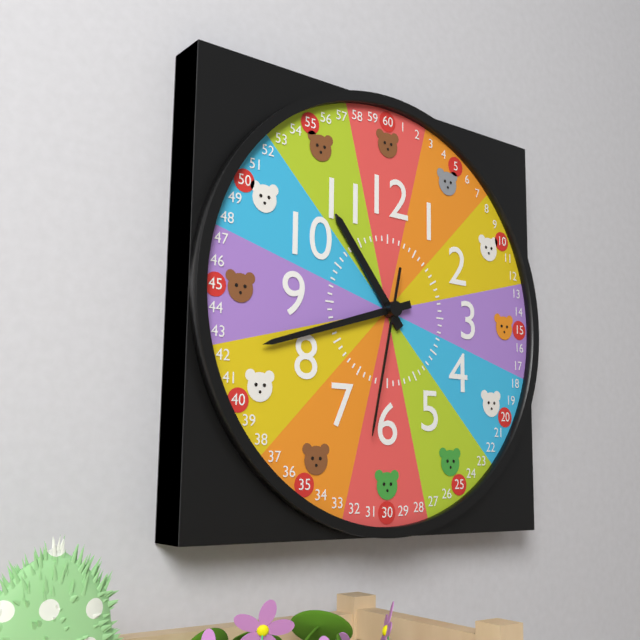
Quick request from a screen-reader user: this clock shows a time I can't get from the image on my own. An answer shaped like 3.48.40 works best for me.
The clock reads 10.42.32
